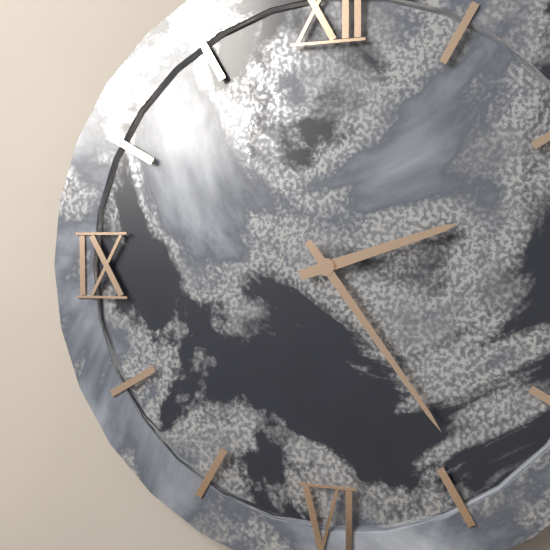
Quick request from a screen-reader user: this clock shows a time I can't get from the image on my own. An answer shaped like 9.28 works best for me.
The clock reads 2.24
